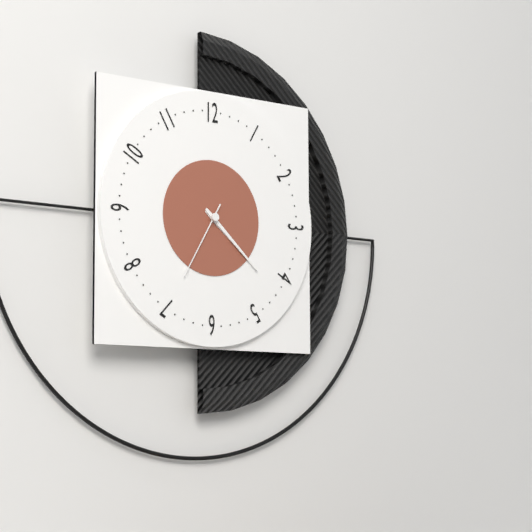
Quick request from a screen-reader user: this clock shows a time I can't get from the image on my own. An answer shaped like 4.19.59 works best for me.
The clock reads 4.22.35
